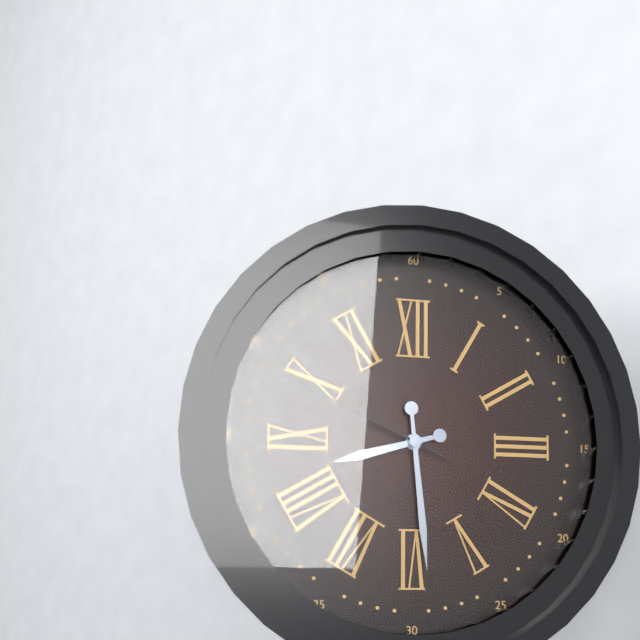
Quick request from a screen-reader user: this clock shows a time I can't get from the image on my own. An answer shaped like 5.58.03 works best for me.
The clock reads 8.29.49
